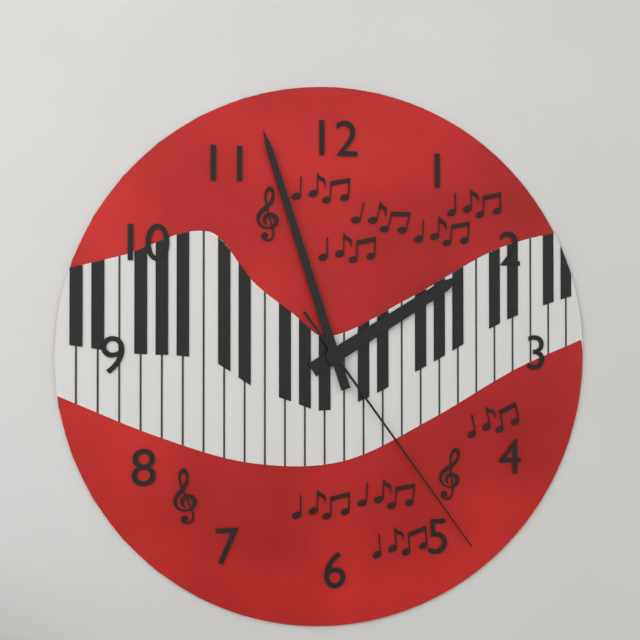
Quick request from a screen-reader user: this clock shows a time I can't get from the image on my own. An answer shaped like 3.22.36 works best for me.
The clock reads 1.57.24
